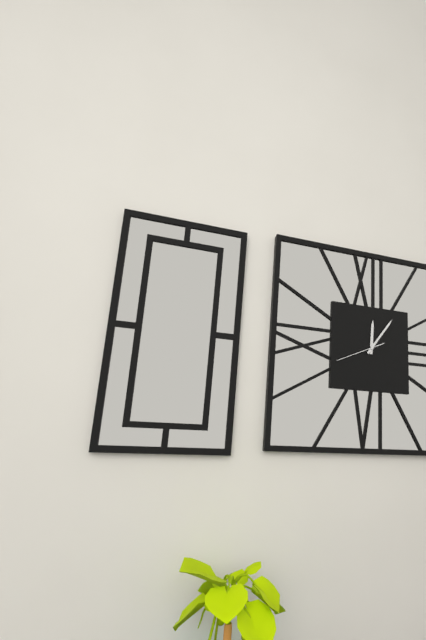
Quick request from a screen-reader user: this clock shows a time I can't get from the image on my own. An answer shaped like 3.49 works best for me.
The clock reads 12.06
